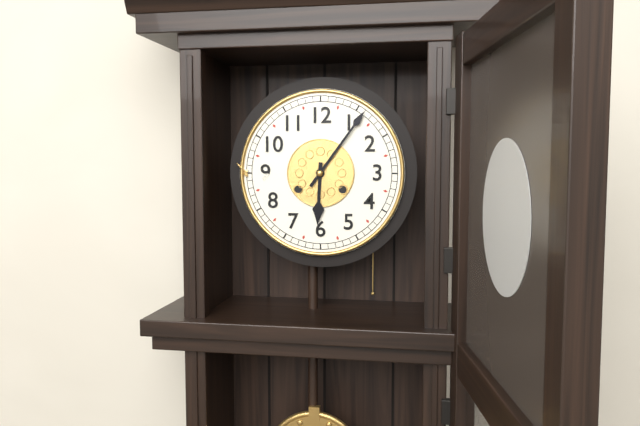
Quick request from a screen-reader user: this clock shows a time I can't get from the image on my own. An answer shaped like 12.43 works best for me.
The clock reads 6.06
